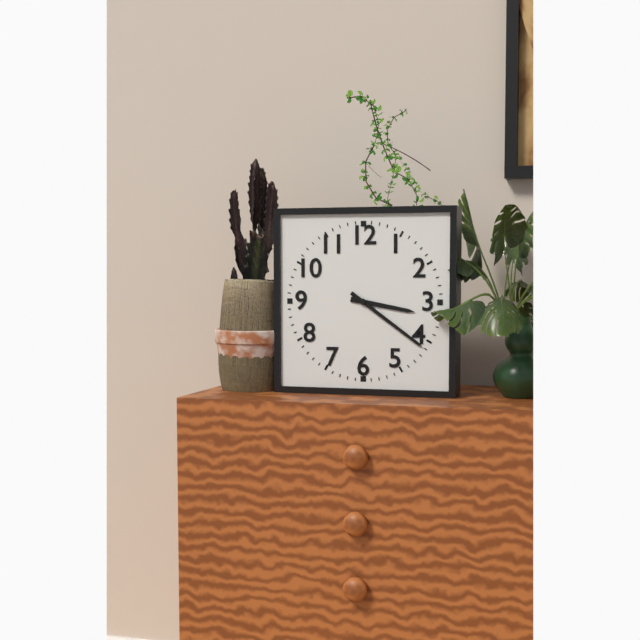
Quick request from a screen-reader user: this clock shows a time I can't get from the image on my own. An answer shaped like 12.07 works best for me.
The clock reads 3.21
